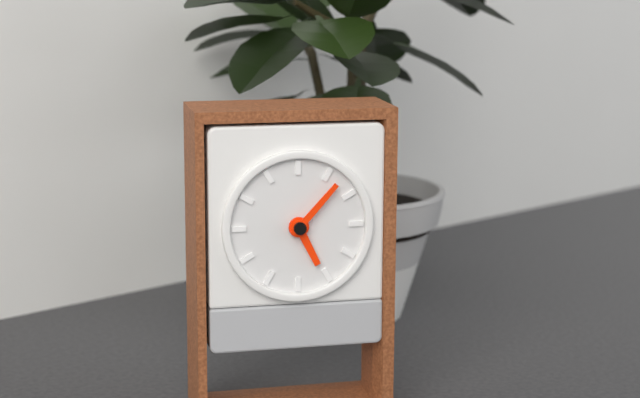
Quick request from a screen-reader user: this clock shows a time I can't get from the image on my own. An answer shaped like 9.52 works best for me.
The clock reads 5.07
